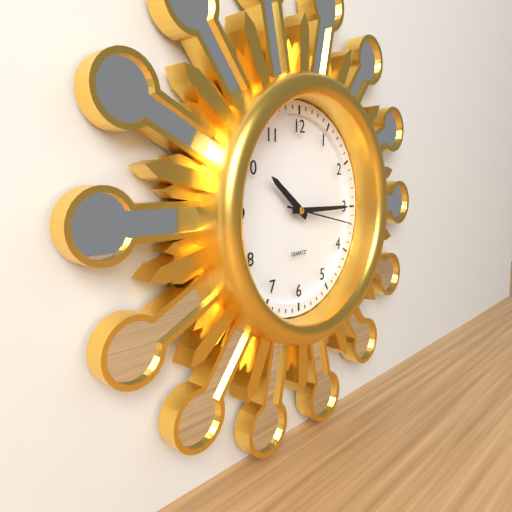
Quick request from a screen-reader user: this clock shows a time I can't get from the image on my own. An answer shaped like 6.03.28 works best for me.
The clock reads 10.15.17
